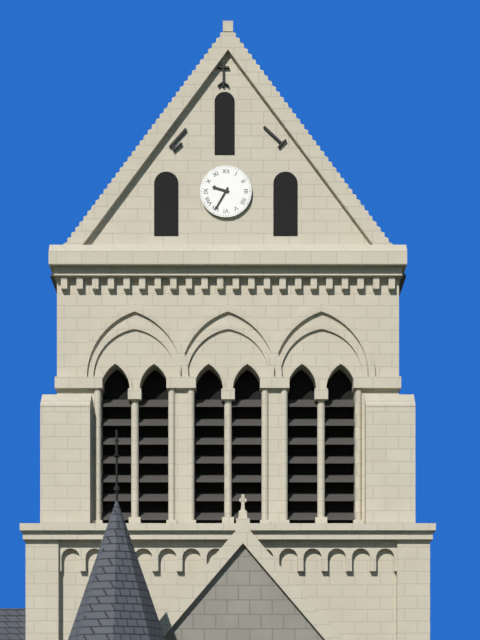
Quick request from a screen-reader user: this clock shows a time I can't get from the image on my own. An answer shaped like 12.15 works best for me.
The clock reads 9.35
